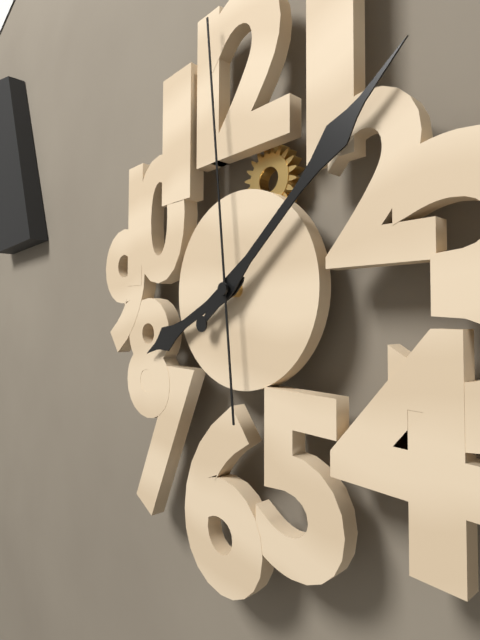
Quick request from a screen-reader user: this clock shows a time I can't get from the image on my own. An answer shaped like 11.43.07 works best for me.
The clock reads 8.08.59
